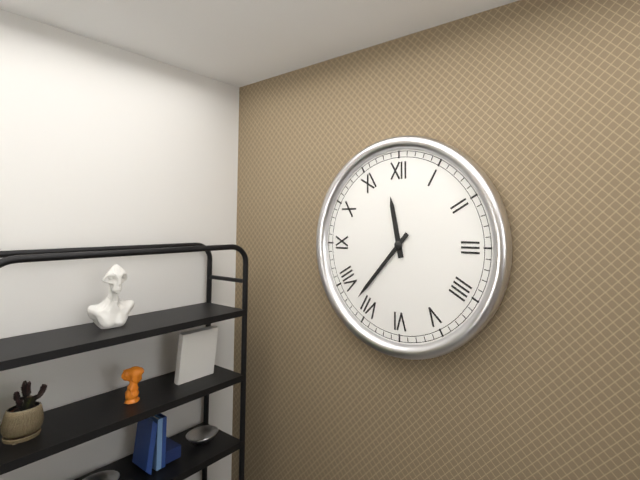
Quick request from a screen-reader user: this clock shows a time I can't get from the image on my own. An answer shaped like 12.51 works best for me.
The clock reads 11.37
